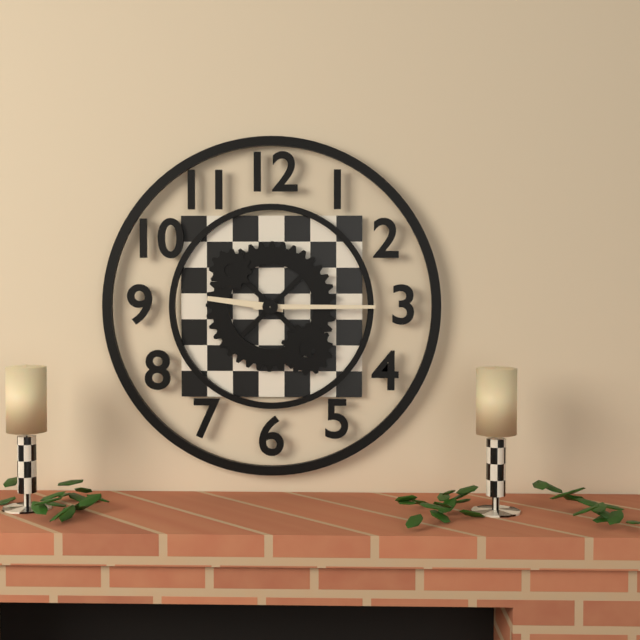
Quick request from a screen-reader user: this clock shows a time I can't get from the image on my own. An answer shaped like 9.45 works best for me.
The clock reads 9.15
